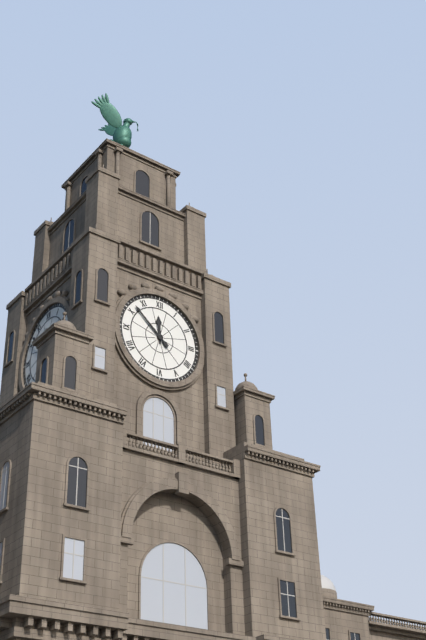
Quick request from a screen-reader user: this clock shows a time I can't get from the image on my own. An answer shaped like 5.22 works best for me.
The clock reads 11.52
